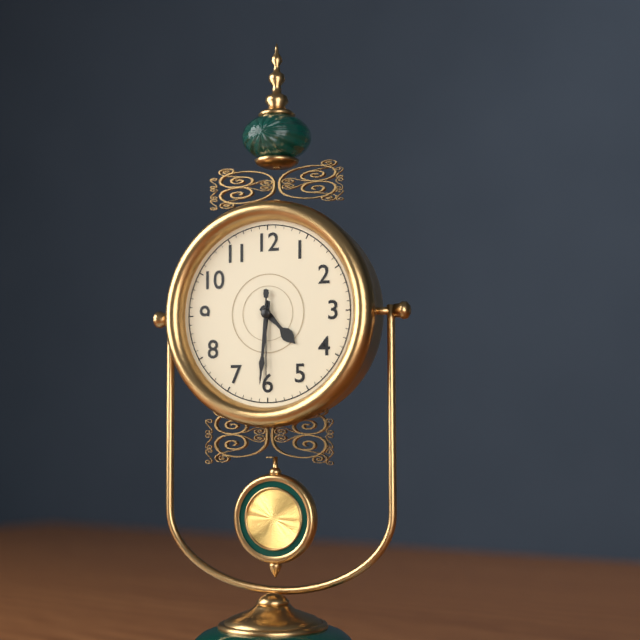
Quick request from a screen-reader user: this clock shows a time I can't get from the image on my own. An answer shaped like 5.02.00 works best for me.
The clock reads 4.31.30
